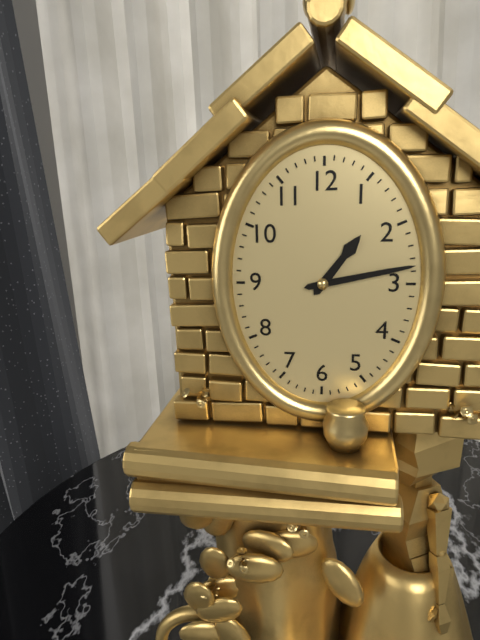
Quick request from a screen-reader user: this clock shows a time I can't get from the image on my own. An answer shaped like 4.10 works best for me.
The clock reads 1.13
